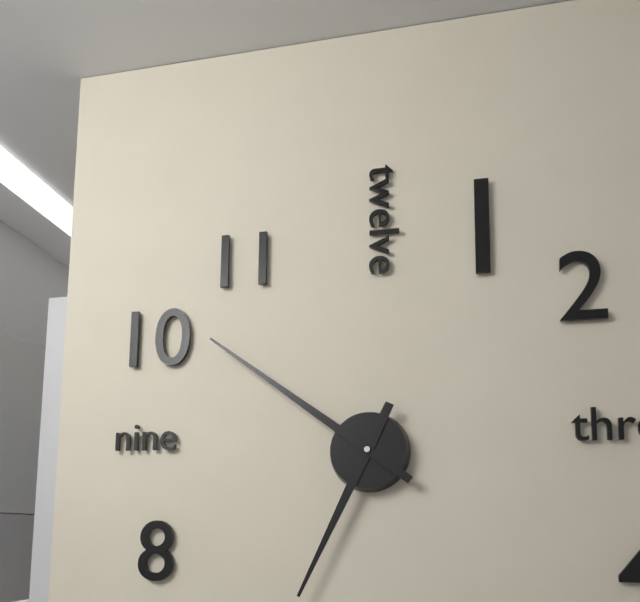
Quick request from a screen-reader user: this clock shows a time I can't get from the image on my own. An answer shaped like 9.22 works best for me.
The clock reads 6.51
